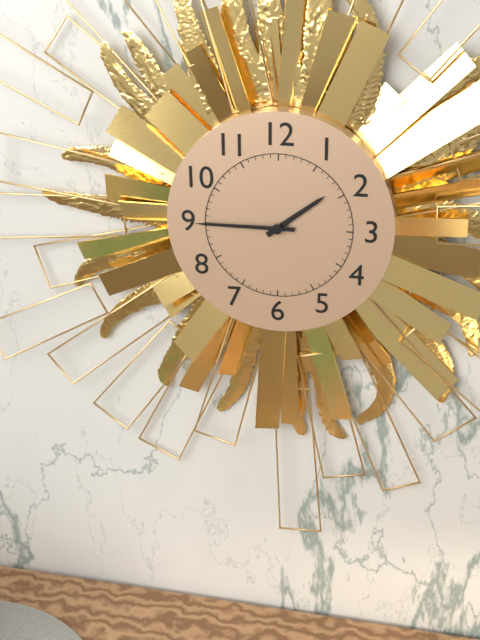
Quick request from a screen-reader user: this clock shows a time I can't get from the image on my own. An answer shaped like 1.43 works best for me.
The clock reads 1.45
